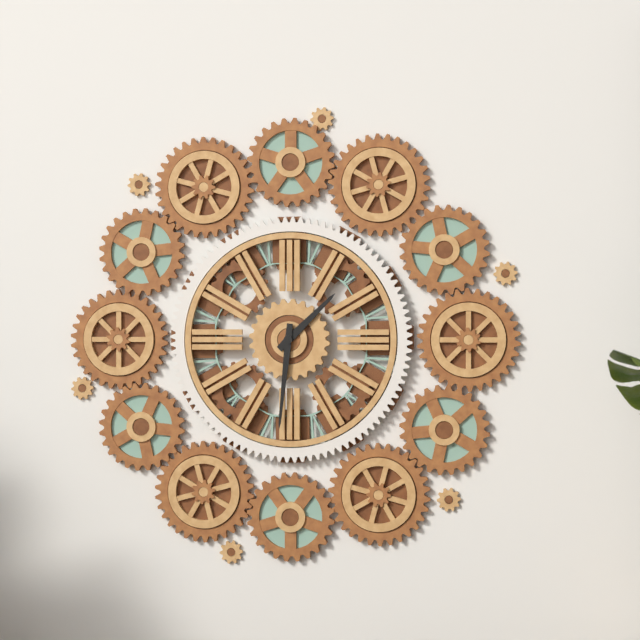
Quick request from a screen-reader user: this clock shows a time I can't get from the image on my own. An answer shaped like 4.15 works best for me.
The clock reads 1.31
